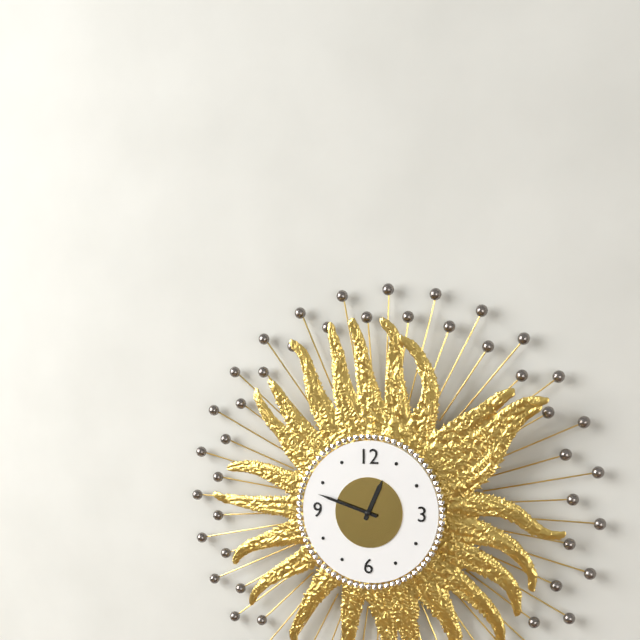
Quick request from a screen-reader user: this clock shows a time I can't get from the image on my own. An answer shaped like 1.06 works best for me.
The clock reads 12.48
